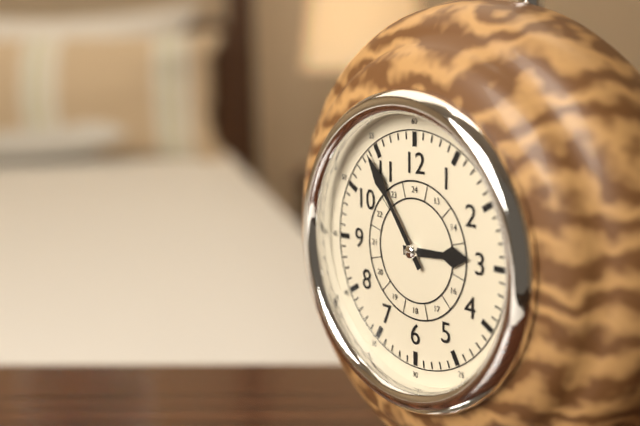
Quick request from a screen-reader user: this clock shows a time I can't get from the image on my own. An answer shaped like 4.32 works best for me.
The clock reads 2.54
